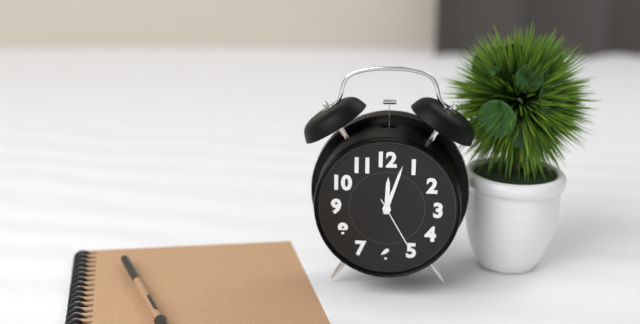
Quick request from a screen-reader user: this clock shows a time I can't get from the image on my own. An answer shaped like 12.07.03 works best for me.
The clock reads 12.03.25
